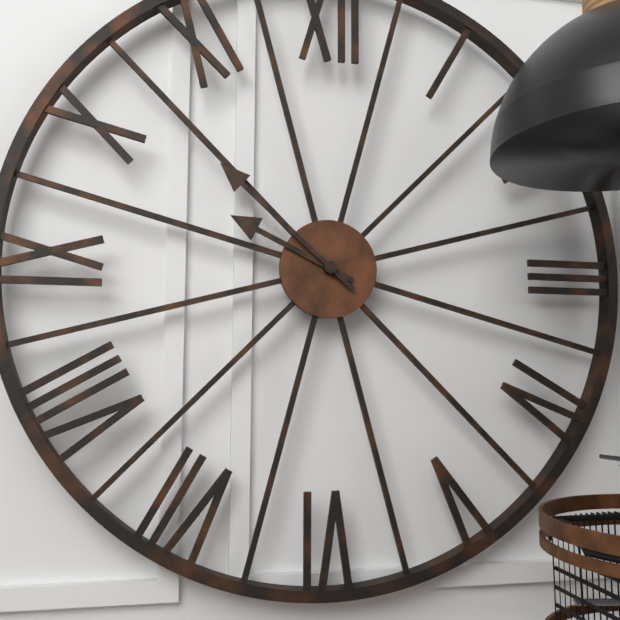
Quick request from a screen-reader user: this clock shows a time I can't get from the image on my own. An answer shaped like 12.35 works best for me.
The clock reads 9.52
